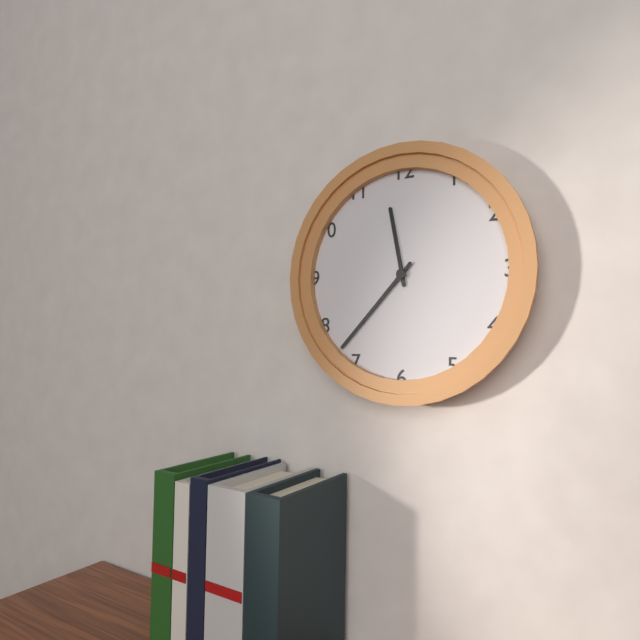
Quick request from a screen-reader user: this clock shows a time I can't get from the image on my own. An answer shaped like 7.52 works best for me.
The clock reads 11.37
